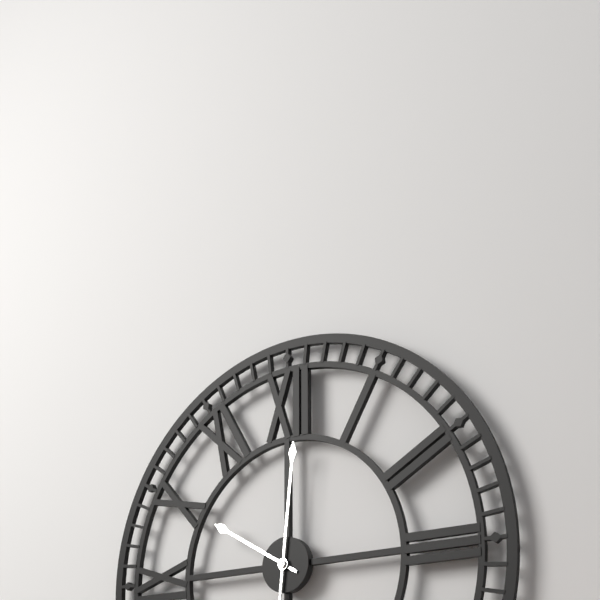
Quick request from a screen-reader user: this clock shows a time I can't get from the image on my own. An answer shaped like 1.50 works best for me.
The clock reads 10.01
